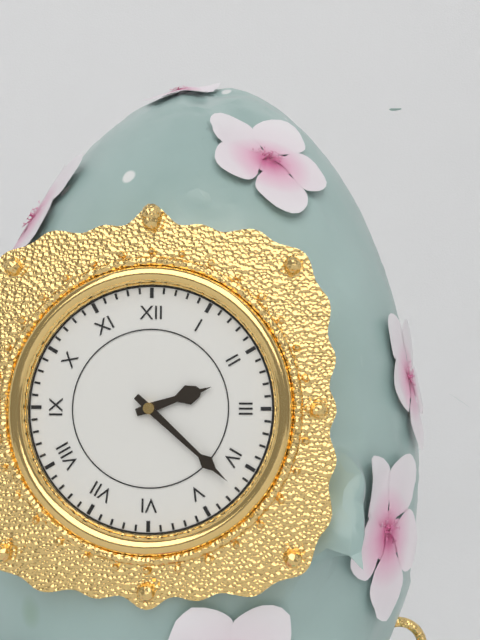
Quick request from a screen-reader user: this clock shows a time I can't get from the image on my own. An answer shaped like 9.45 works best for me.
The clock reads 2.22
